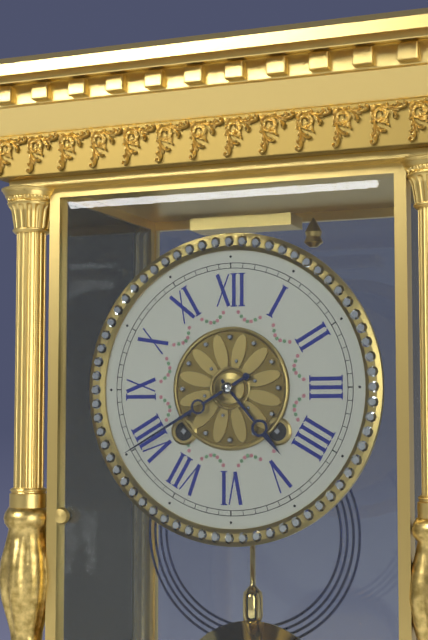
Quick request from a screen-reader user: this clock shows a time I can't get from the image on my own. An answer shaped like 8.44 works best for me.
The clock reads 4.40
